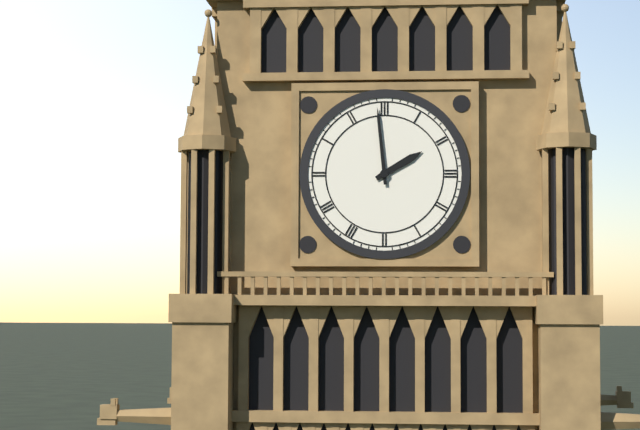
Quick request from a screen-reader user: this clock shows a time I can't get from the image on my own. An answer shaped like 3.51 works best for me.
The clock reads 1.59
